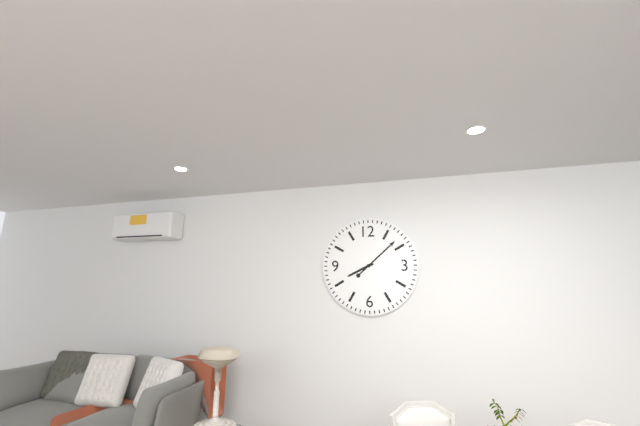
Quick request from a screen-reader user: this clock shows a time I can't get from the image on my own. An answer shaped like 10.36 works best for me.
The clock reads 8.08
